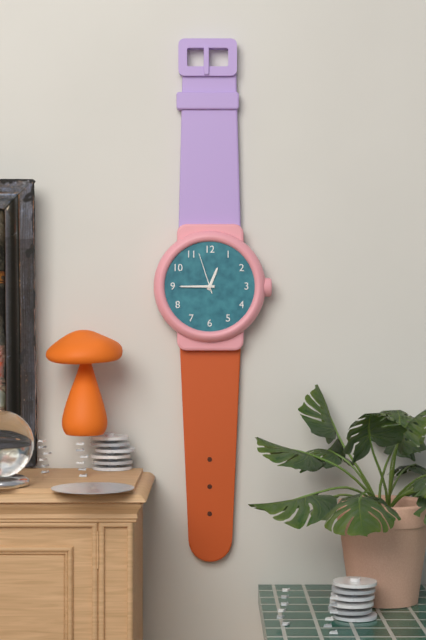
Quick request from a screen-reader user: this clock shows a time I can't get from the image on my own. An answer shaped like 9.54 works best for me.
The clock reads 12.45
